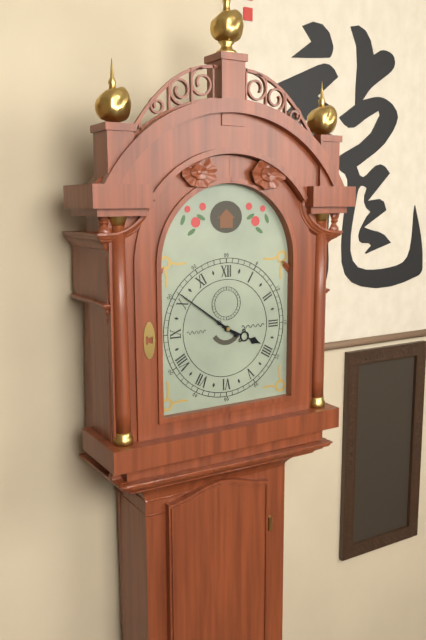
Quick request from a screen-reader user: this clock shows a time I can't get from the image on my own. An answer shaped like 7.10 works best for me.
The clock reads 3.51
